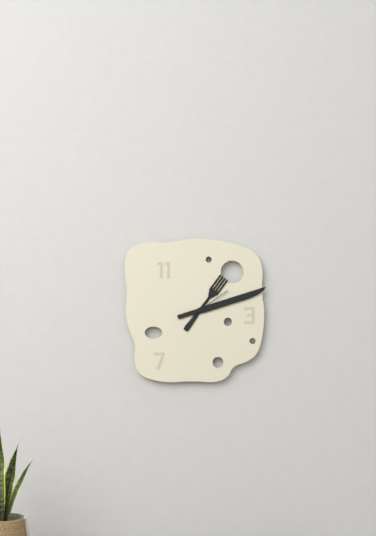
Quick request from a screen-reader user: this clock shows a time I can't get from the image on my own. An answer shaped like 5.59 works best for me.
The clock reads 1.12
